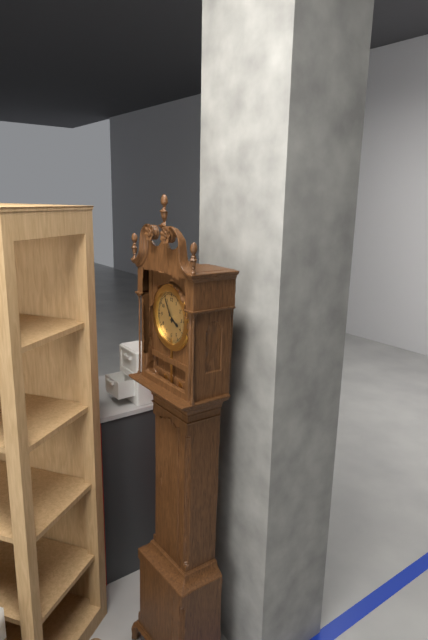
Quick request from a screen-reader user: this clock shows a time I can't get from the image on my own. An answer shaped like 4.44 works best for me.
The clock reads 3.55
